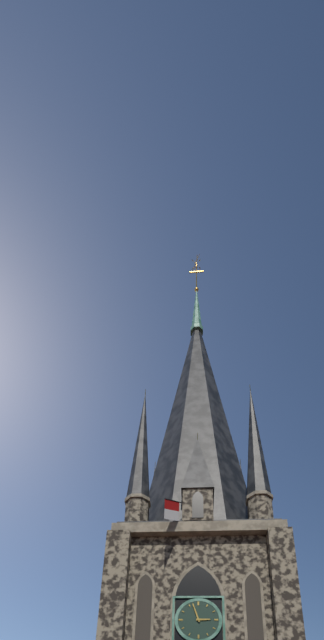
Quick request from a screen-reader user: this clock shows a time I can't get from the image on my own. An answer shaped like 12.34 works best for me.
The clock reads 2.57
